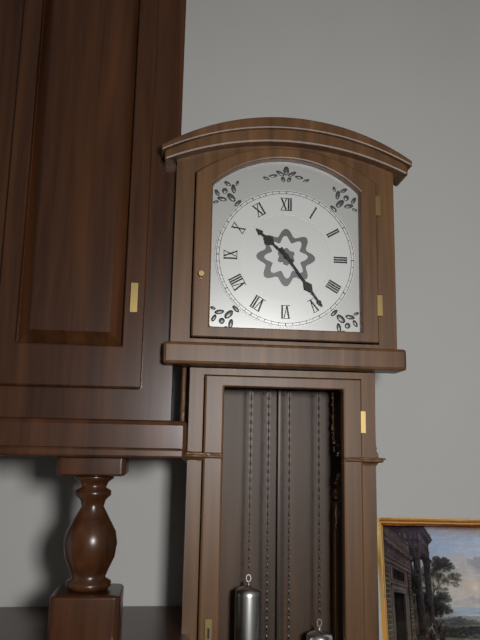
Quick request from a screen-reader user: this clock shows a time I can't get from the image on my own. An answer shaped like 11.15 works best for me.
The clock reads 10.24
